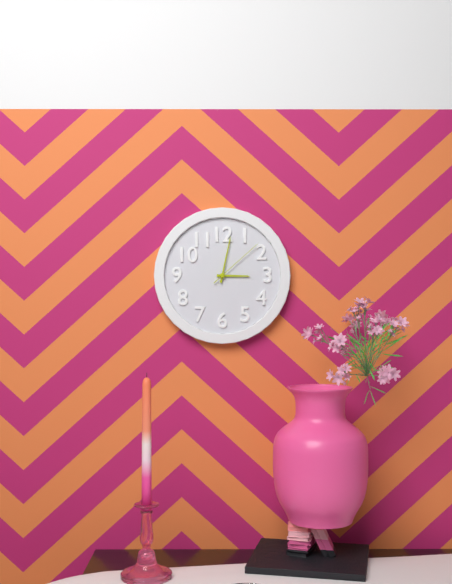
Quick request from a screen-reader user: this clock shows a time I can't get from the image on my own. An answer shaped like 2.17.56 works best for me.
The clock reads 3.02.08
